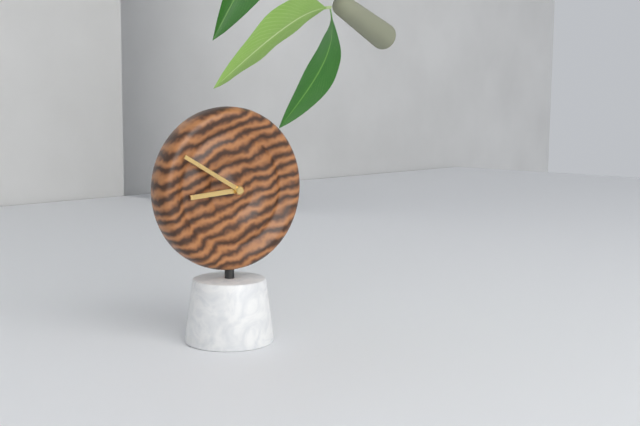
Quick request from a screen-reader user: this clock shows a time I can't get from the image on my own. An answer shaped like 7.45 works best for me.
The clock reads 8.50
